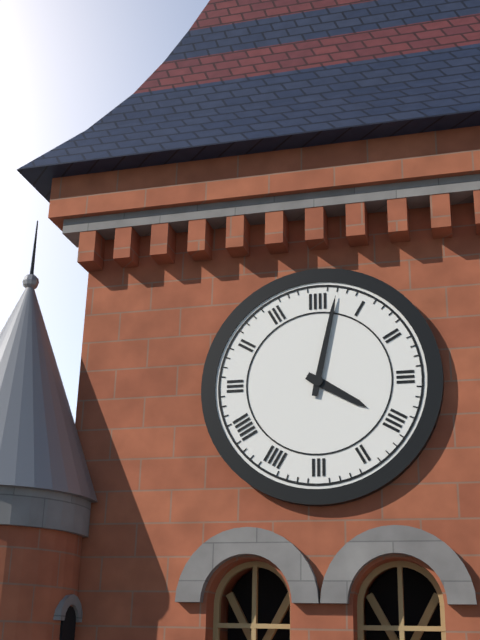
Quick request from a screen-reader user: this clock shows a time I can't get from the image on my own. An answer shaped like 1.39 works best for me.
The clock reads 4.02
